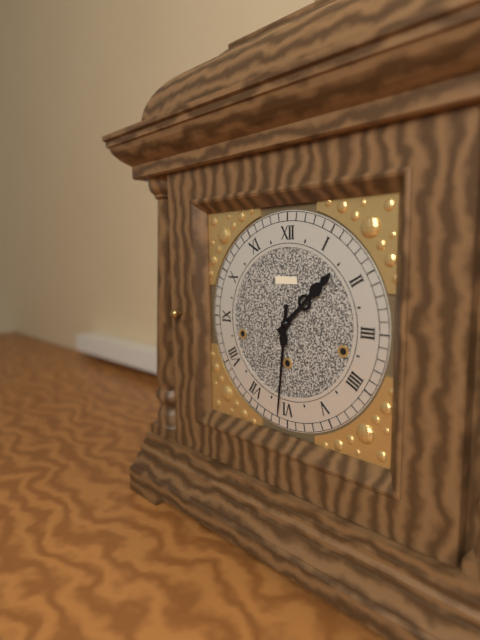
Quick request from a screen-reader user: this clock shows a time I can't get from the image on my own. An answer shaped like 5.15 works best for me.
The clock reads 1.31
